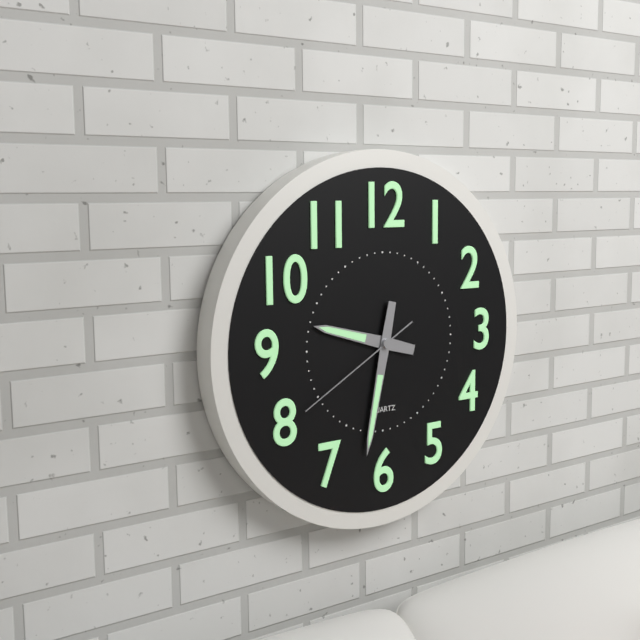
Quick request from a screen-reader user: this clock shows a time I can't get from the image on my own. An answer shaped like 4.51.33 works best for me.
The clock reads 9.32.40
